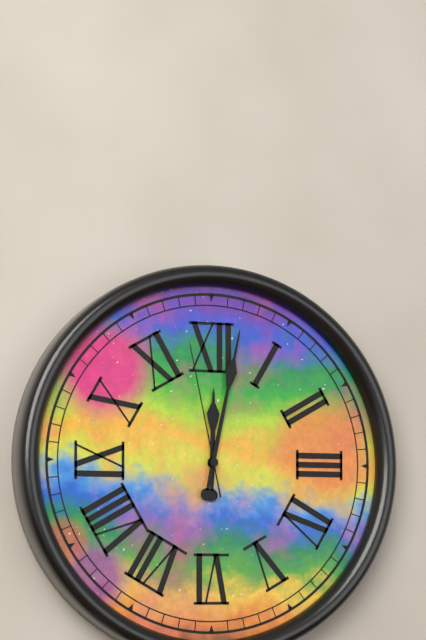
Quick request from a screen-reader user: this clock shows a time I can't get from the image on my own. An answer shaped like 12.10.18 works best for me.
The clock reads 12.02.58
